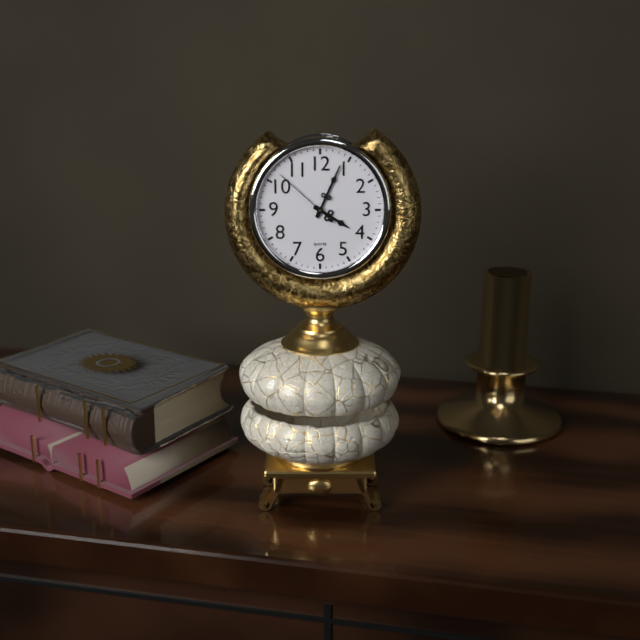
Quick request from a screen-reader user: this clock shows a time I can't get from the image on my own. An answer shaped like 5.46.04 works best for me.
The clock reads 4.04.52
